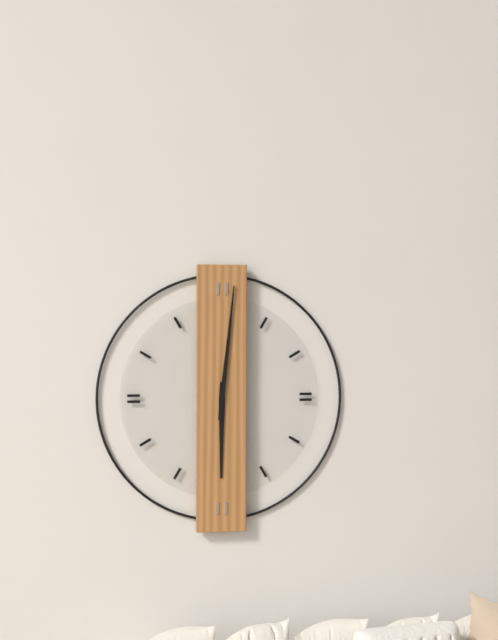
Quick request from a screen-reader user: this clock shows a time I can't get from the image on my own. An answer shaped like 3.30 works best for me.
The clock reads 6.01
